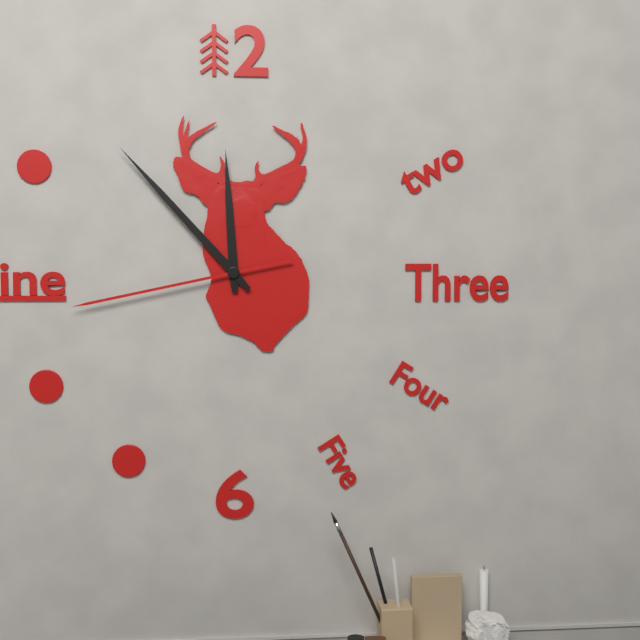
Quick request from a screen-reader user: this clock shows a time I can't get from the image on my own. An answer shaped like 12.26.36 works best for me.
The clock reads 11.53.43
